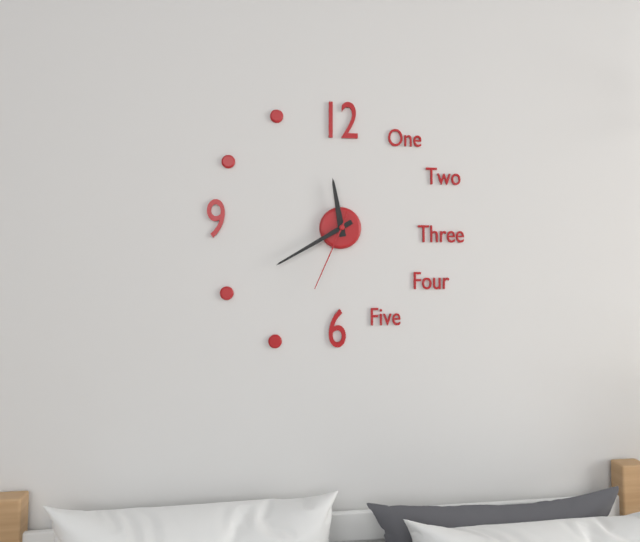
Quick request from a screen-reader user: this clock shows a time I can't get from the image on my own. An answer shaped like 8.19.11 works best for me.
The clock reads 11.40.34
